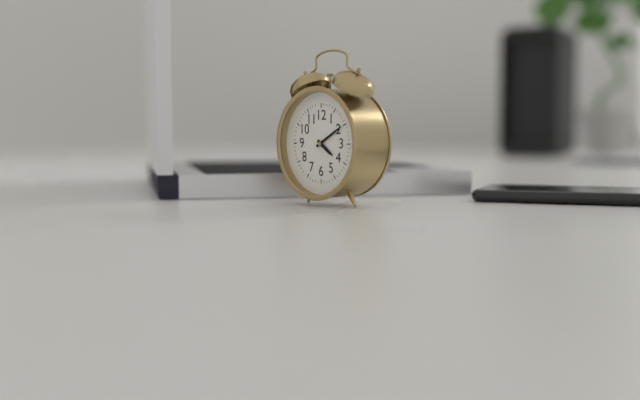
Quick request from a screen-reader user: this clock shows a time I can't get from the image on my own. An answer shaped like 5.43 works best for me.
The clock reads 4.10
